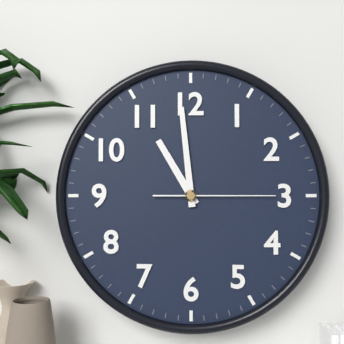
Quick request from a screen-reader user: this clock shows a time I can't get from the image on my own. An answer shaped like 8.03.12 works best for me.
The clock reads 10.59.15
